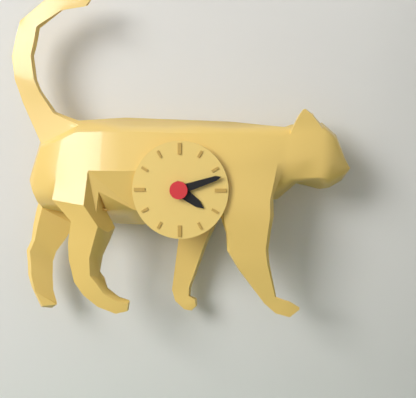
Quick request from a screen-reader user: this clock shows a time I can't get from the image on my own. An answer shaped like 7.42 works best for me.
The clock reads 4.12
